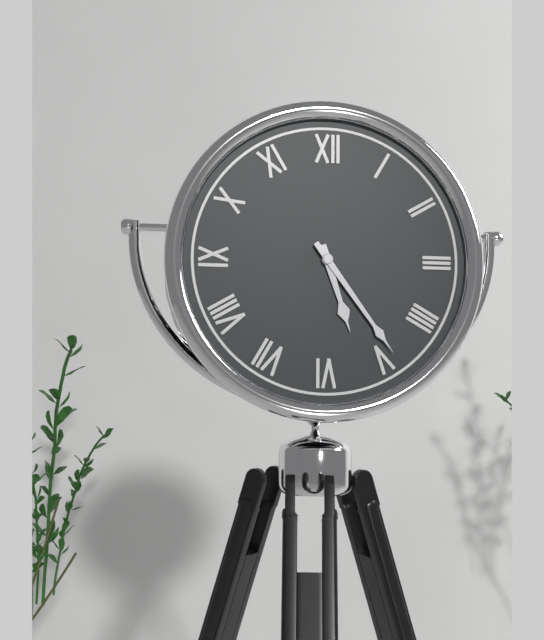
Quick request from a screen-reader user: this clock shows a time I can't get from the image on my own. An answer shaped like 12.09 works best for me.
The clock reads 5.24
